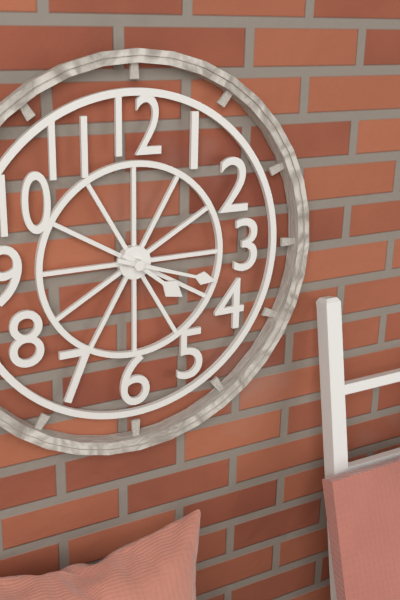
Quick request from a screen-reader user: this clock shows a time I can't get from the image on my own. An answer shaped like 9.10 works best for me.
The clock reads 4.18
